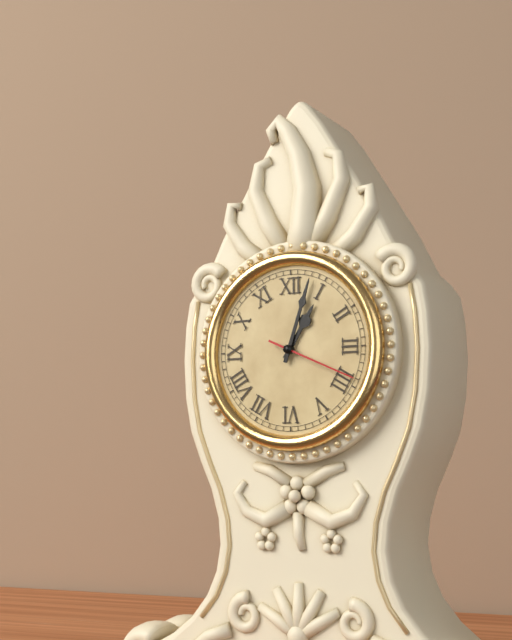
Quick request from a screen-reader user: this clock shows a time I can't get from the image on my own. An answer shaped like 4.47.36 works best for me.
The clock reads 1.03.19
